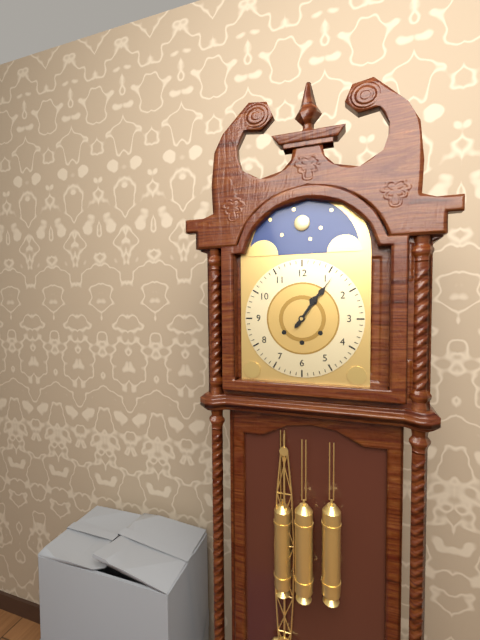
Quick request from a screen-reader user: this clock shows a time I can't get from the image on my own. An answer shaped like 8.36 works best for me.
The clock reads 1.06
